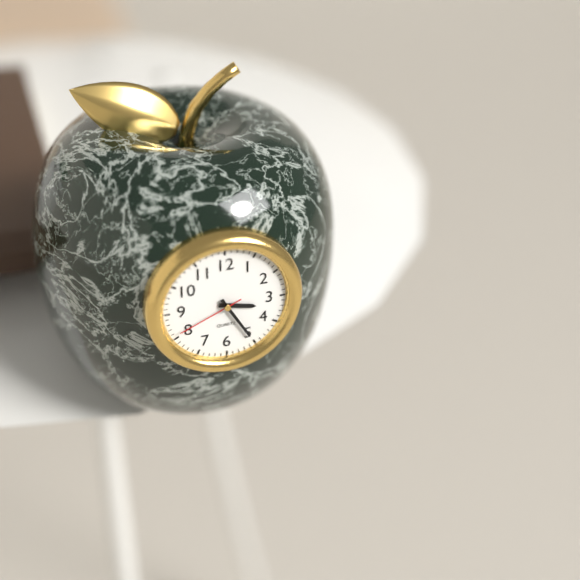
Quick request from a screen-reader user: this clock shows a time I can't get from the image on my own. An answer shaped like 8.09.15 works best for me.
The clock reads 3.25.41
